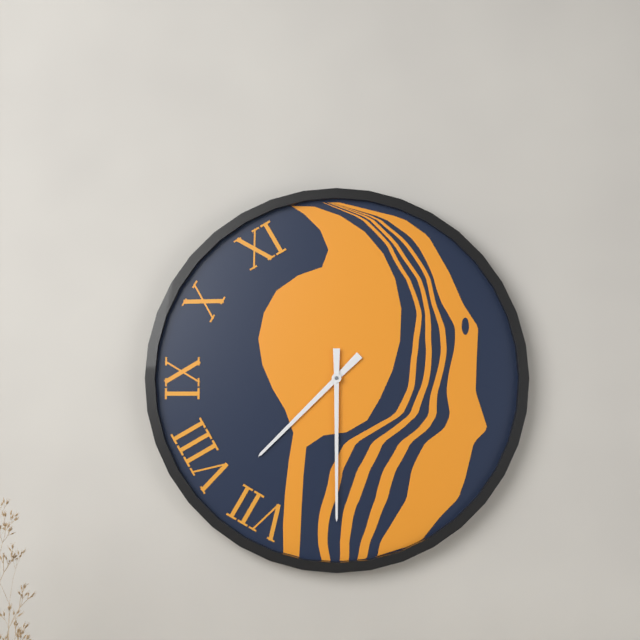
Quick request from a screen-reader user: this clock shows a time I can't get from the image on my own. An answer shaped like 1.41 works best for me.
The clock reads 7.30
